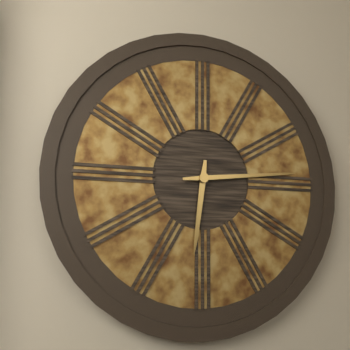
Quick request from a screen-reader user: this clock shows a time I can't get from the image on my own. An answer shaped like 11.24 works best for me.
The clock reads 6.14
